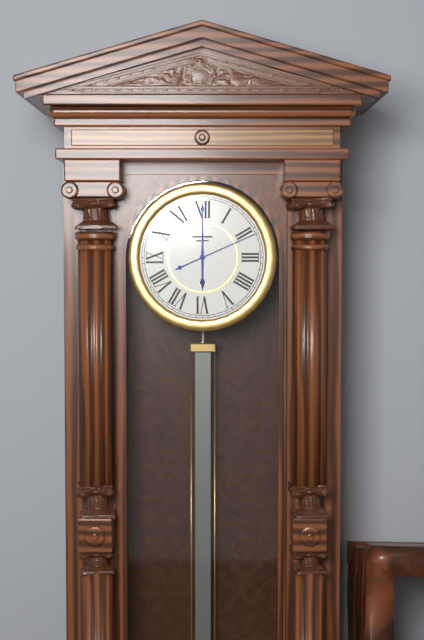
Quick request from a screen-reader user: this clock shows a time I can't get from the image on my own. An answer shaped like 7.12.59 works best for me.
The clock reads 6.00.11
